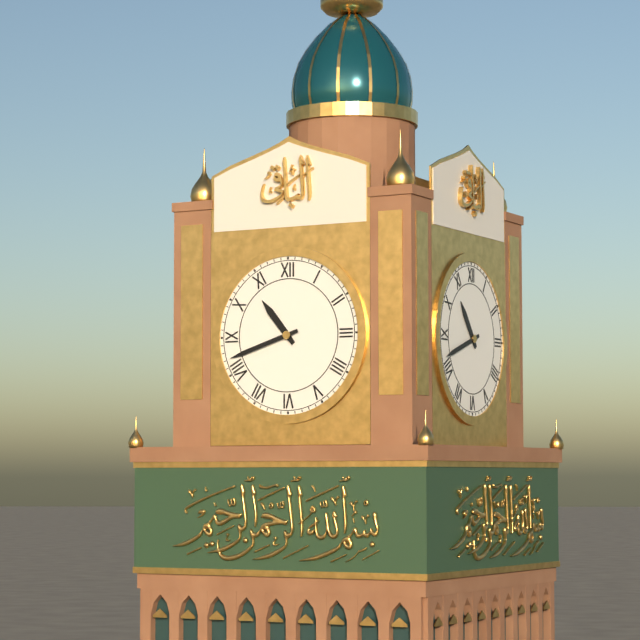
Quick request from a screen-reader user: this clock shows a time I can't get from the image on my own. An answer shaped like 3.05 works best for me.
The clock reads 10.42
